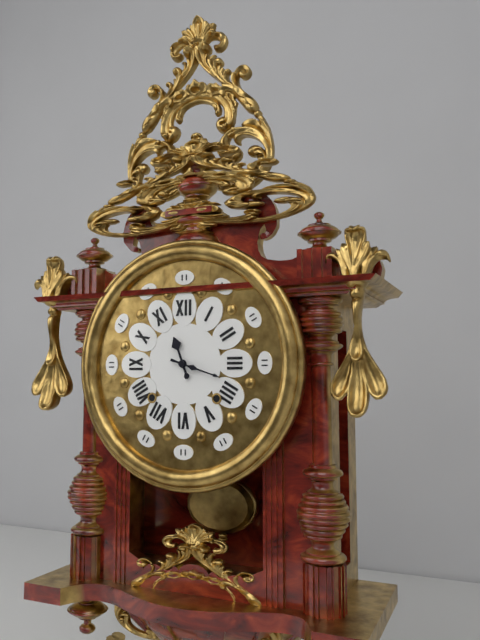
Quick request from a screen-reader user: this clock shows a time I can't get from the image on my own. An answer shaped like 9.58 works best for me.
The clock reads 11.18
